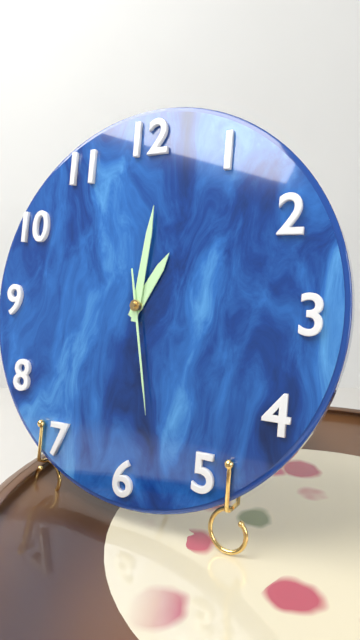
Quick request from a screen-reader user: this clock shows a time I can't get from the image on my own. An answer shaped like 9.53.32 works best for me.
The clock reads 1.01.28
